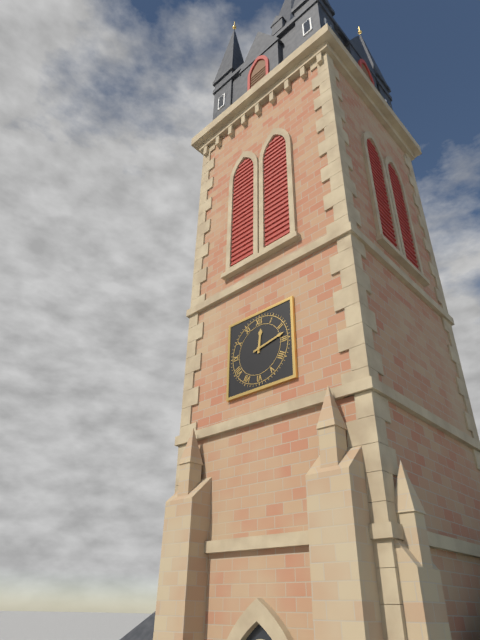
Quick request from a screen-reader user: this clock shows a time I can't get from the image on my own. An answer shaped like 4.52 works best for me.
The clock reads 12.13
